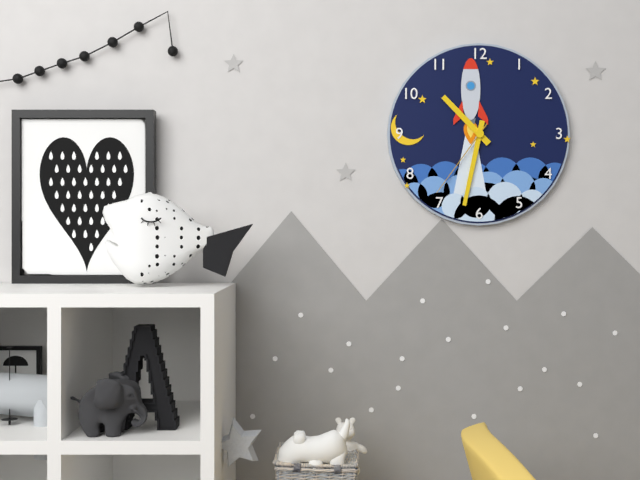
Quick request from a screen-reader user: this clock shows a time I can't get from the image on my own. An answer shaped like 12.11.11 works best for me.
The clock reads 10.32.36
